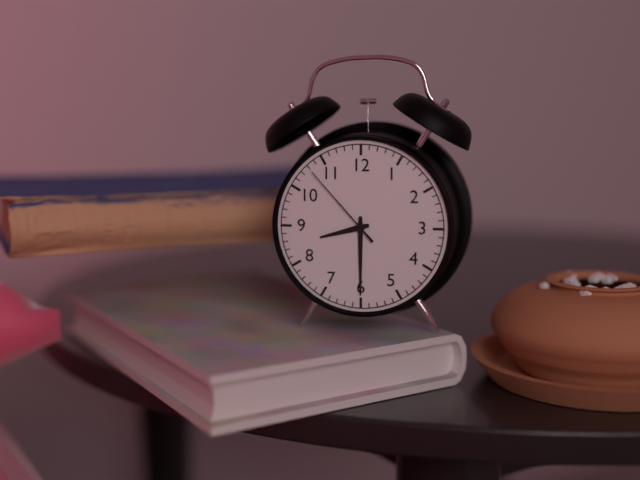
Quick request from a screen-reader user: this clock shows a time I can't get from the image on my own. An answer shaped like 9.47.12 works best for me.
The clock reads 8.30.53
